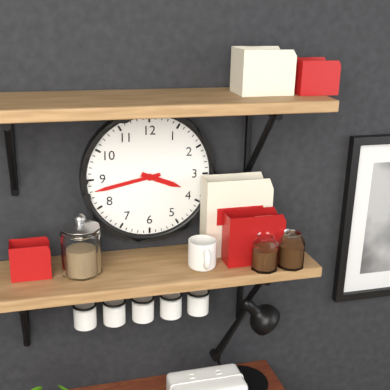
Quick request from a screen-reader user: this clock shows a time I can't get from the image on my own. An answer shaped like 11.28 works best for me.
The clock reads 3.43
